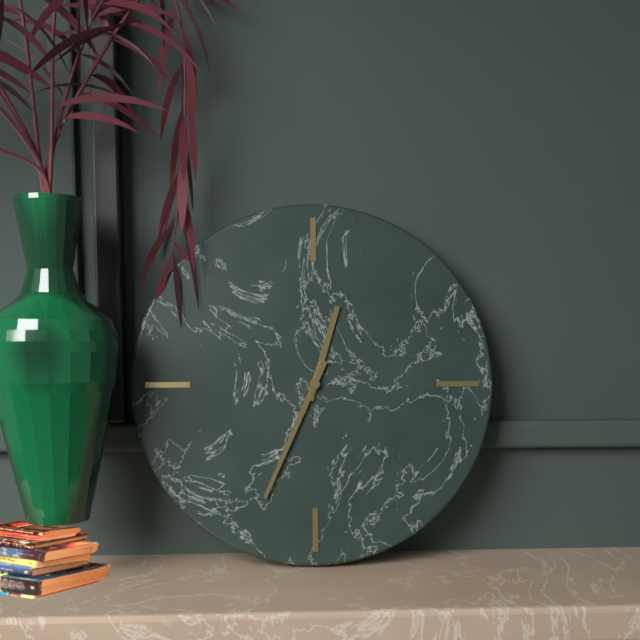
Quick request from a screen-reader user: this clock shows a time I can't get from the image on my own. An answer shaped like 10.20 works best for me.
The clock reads 12.34
